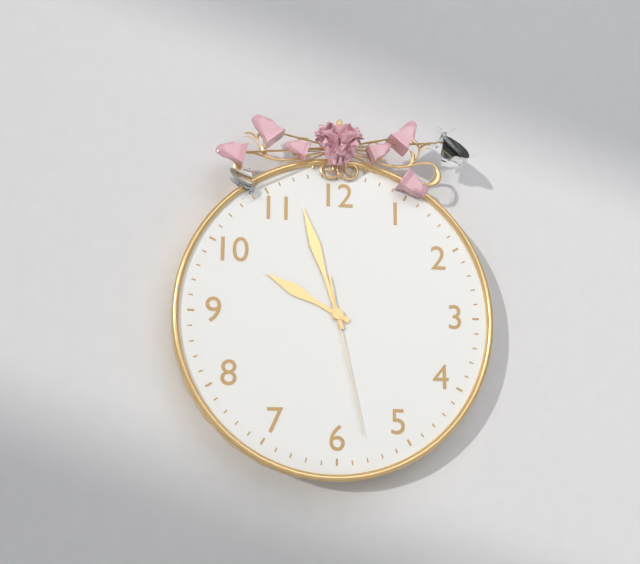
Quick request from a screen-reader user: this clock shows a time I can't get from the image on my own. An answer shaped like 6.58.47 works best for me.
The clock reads 9.57.28
